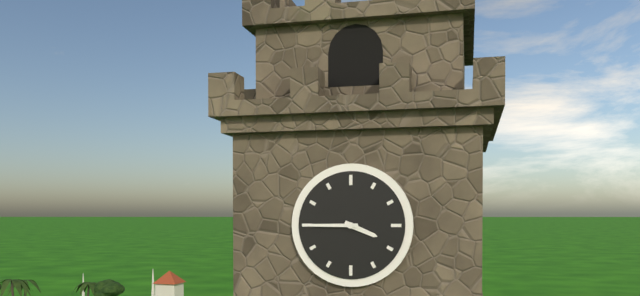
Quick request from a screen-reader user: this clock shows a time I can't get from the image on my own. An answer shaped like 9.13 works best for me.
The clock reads 3.45
